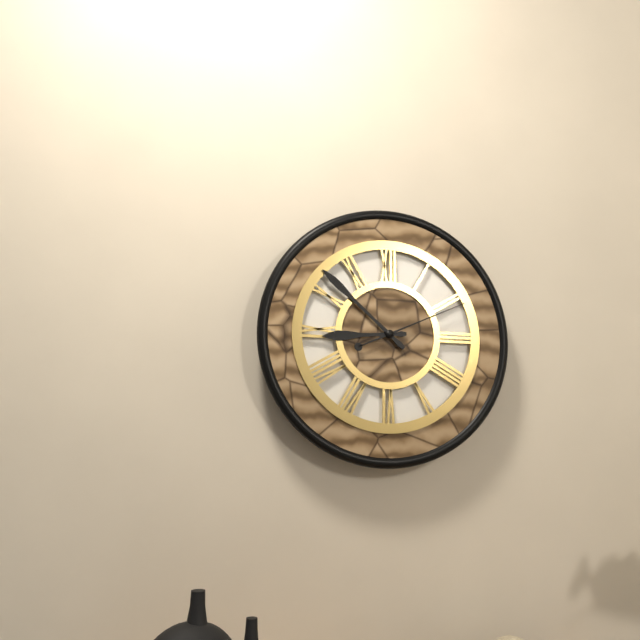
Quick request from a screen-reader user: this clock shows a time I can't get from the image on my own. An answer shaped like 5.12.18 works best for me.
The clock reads 8.52.11
